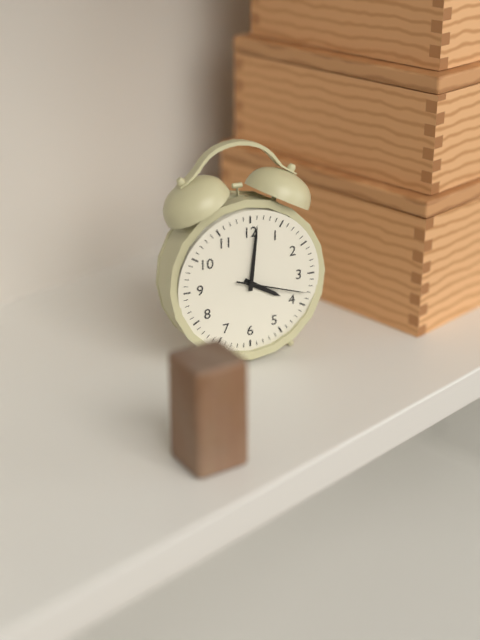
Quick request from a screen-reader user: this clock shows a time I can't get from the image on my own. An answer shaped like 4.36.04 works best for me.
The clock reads 4.01.18
